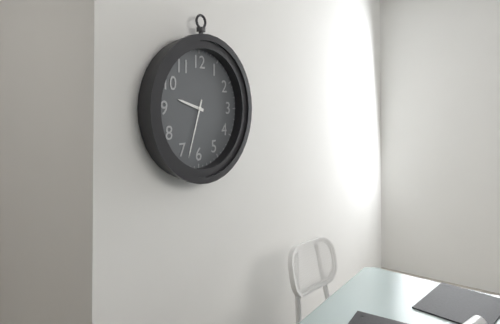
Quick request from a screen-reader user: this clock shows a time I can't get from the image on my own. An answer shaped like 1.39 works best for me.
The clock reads 9.33
